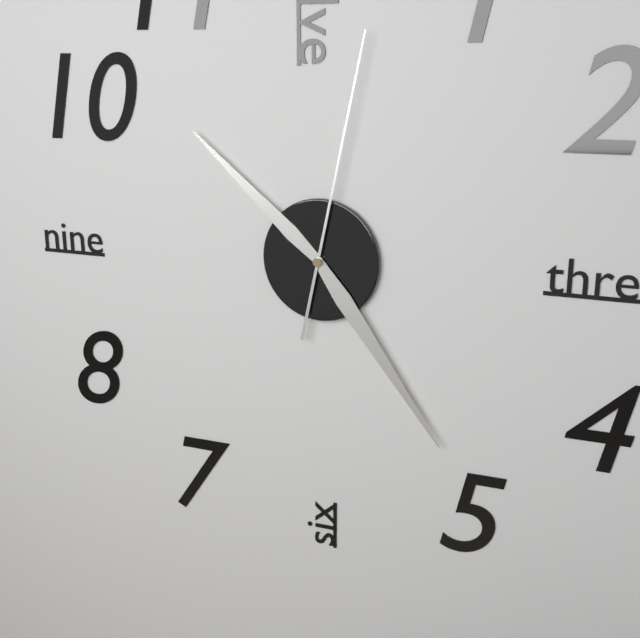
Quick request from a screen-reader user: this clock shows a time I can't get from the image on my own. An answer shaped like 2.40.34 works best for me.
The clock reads 10.24.02
